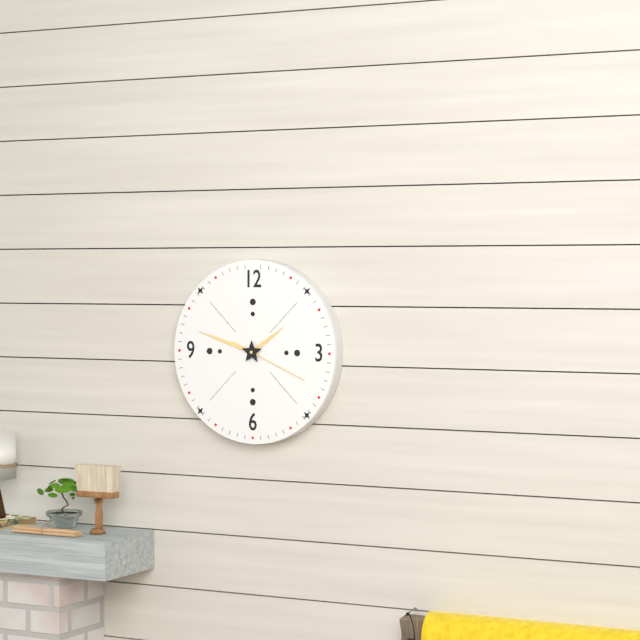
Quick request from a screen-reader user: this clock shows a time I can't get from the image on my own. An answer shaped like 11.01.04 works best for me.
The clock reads 1.48.19
